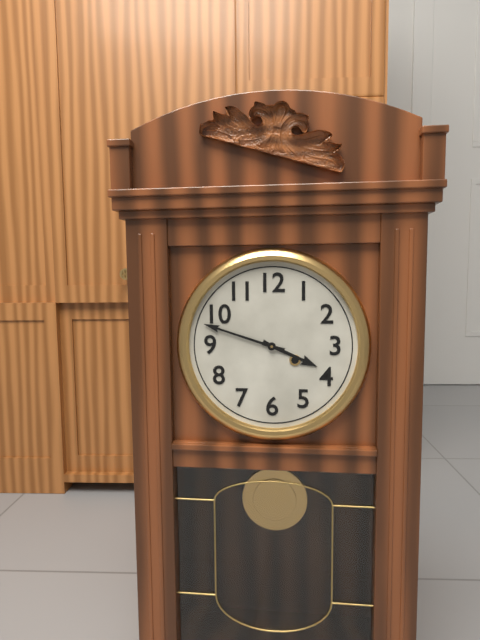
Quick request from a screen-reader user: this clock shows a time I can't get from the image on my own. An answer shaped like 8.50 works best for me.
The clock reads 3.48
